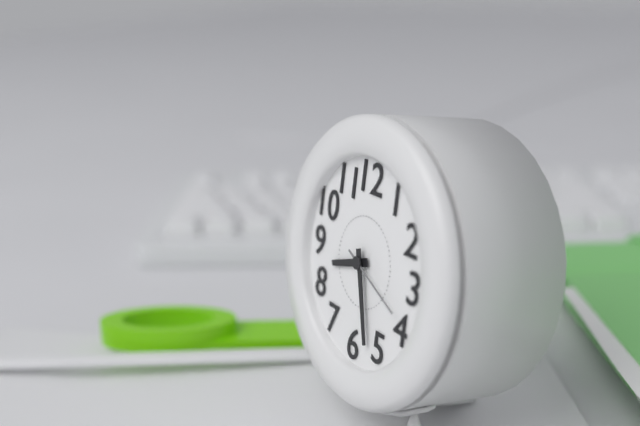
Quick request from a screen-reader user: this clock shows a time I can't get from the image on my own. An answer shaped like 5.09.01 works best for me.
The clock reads 8.27.19
